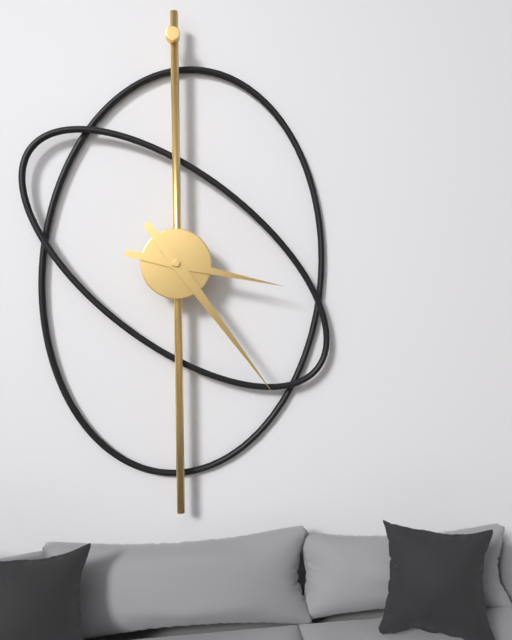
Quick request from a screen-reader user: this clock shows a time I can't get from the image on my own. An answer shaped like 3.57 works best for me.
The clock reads 3.24
